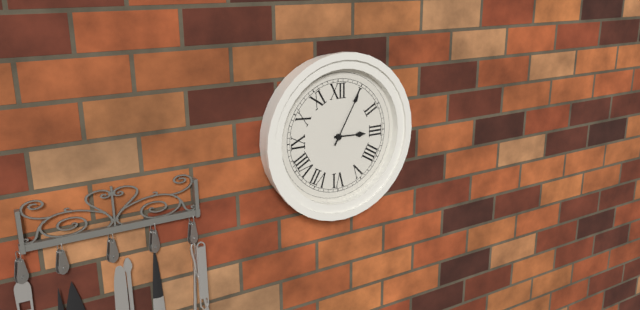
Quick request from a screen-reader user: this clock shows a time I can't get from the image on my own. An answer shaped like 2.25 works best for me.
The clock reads 3.05
